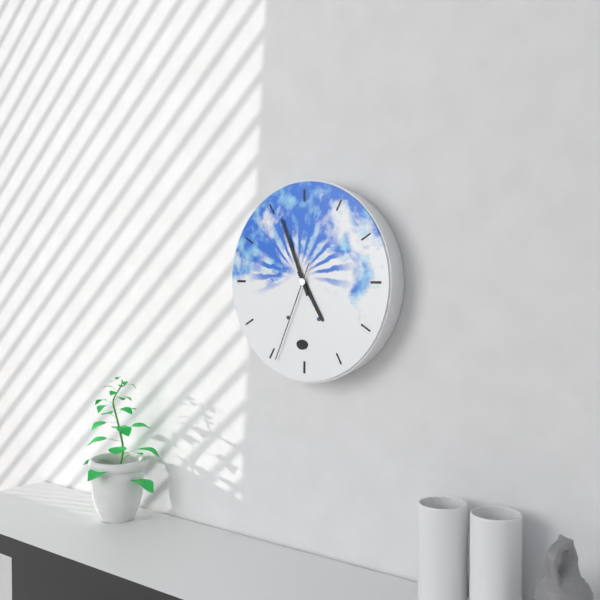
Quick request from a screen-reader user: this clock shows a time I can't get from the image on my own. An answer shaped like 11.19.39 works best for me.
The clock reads 4.56.34
